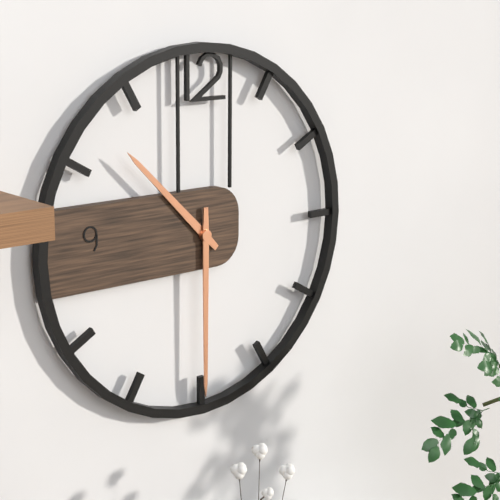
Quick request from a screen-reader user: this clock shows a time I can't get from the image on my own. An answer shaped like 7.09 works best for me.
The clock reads 10.30
